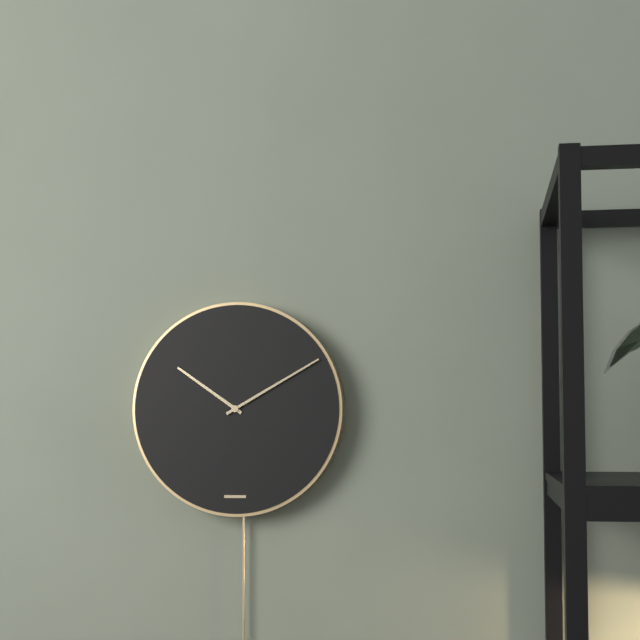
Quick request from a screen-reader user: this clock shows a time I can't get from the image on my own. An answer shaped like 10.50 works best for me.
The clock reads 10.10
